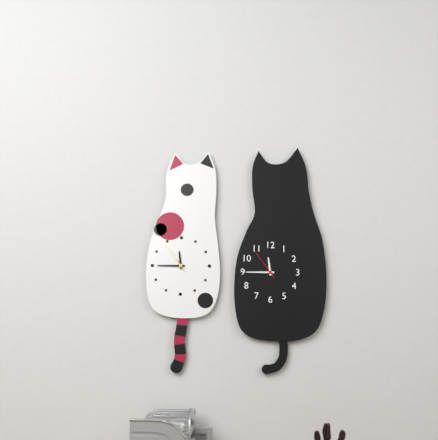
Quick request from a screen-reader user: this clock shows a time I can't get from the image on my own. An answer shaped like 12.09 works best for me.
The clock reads 11.45
